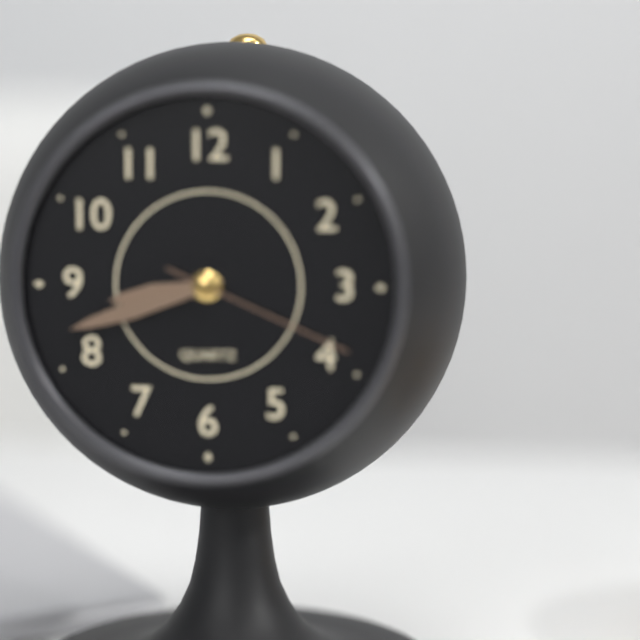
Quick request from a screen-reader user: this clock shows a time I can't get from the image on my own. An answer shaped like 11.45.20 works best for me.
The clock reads 8.42.19
